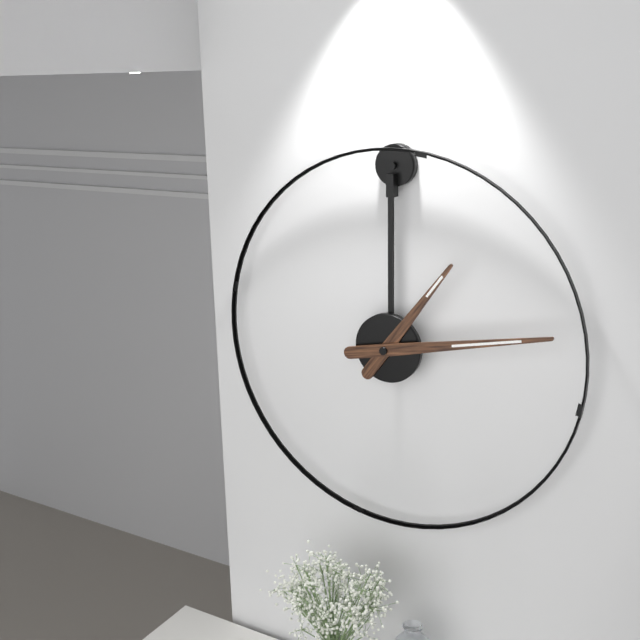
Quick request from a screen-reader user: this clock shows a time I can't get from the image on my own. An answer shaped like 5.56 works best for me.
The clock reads 1.13
